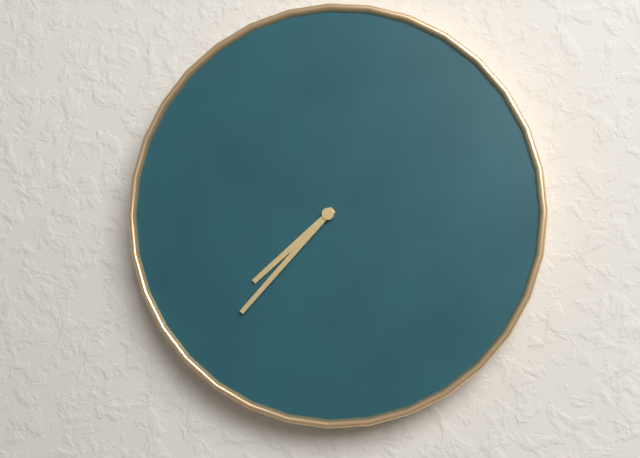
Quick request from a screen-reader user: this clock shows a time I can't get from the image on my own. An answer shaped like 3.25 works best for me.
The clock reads 7.37
